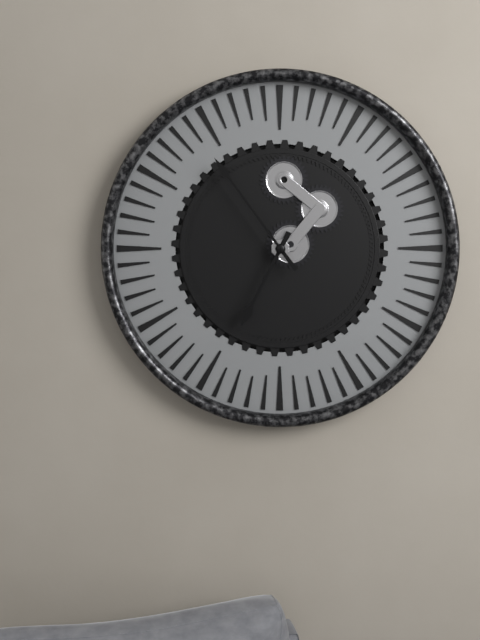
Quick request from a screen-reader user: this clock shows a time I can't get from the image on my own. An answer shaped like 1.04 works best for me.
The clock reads 6.54
